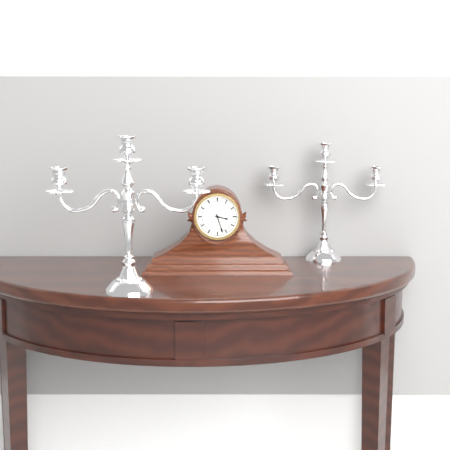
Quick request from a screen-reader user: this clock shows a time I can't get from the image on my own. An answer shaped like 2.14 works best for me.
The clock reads 3.27
